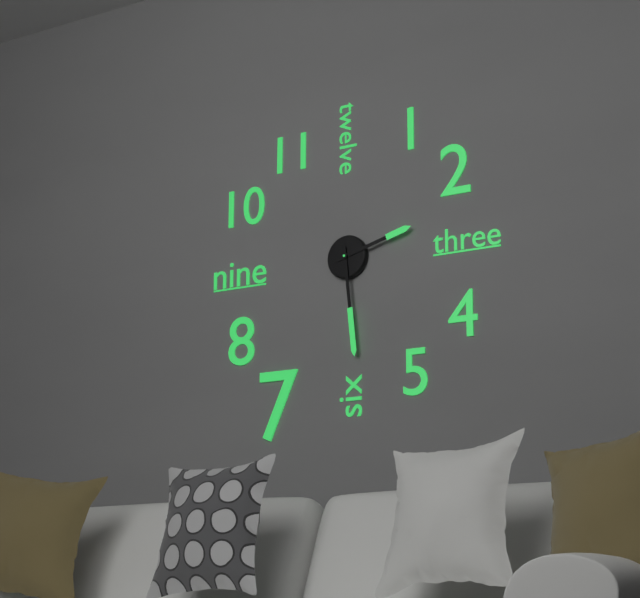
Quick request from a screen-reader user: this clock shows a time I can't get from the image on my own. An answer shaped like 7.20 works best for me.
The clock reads 2.29
